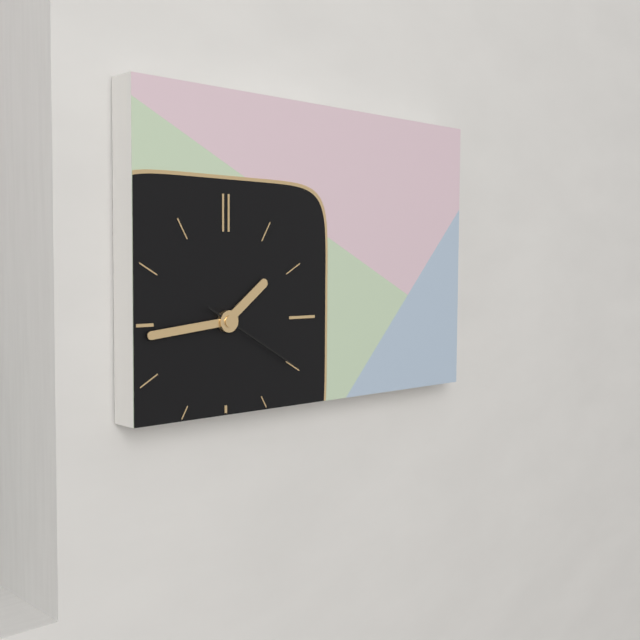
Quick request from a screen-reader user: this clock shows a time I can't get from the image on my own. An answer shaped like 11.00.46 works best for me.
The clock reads 1.44.20
